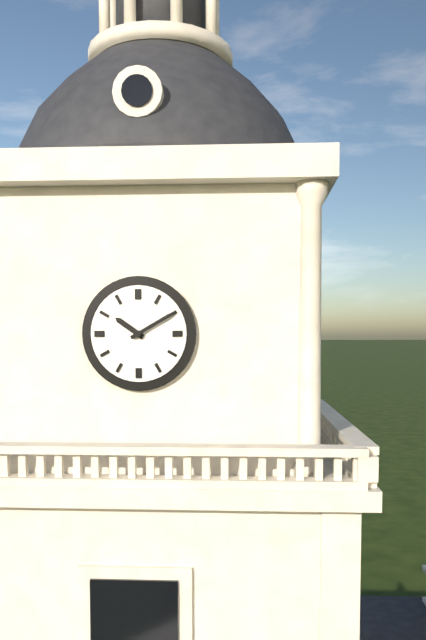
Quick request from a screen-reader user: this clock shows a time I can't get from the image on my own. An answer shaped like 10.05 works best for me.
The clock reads 10.10
